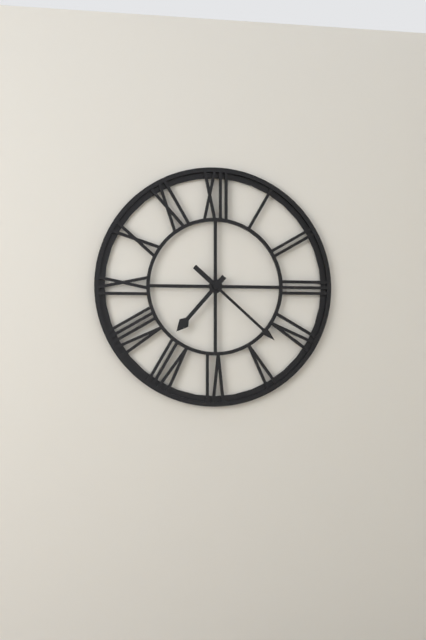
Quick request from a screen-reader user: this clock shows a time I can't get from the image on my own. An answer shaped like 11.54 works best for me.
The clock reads 7.22
